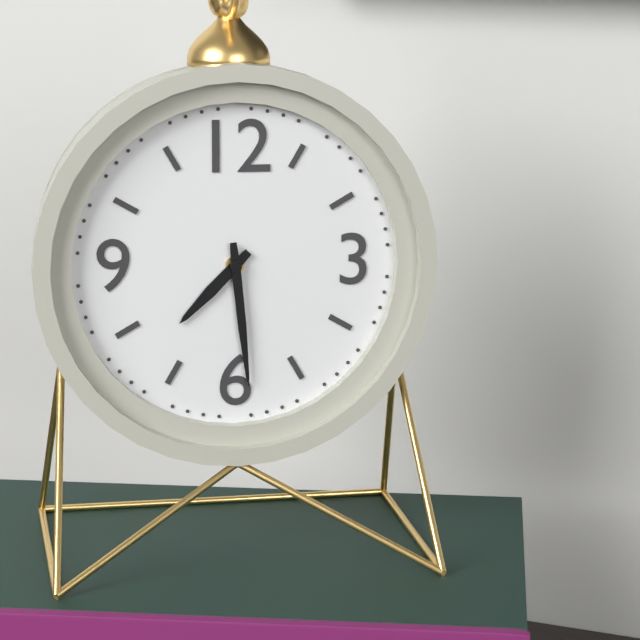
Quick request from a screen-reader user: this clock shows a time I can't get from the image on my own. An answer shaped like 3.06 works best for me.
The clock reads 7.29
